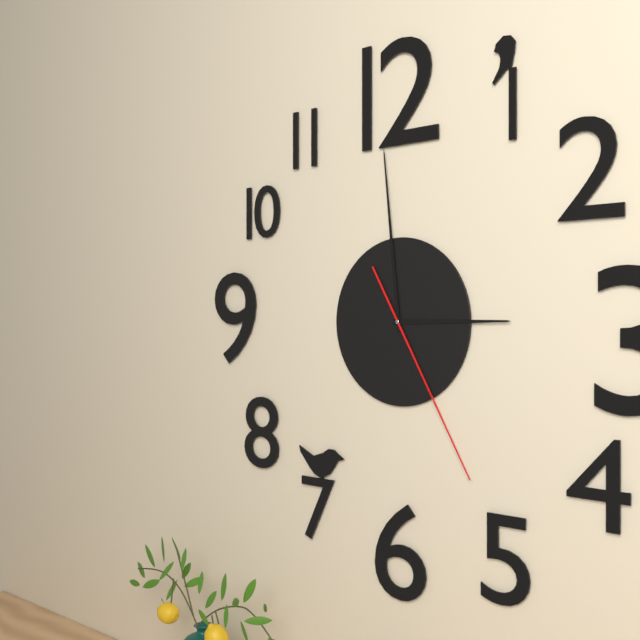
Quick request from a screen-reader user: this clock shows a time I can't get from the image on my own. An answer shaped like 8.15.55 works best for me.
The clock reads 2.59.25
